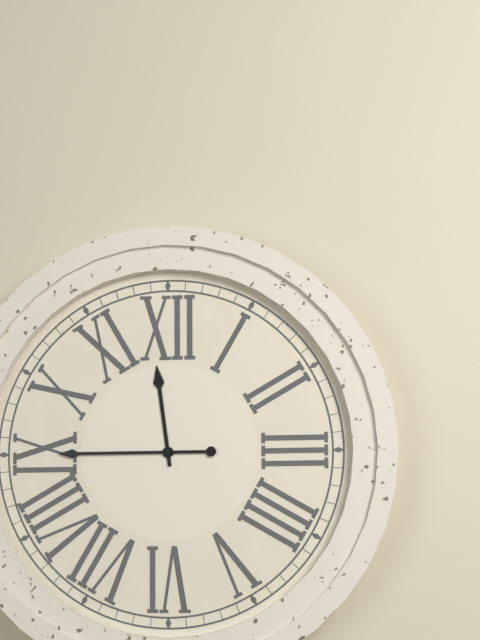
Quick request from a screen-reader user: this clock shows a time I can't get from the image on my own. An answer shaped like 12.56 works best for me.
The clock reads 11.45
